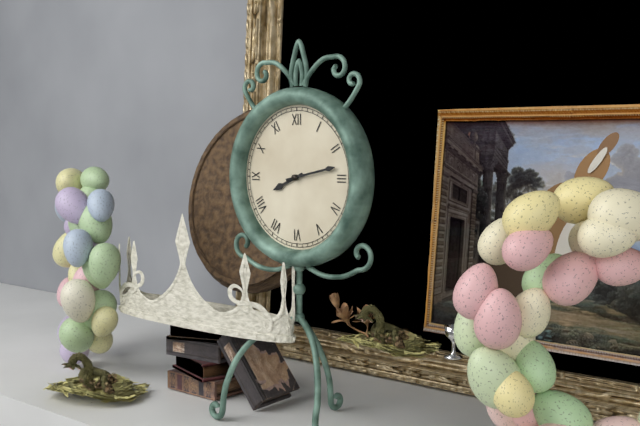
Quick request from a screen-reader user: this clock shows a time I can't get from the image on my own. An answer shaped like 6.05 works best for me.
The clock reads 8.13
